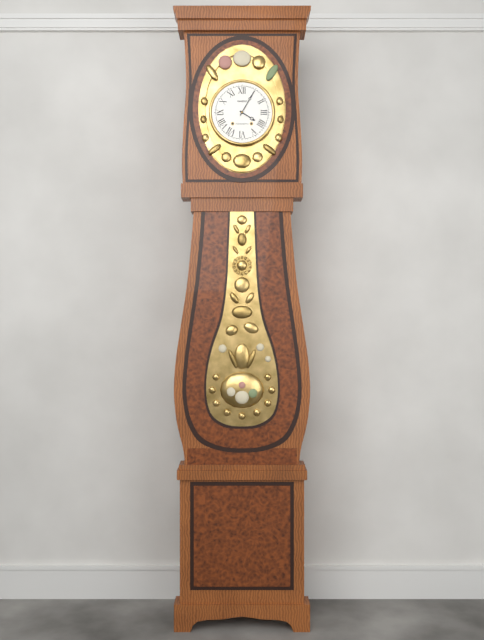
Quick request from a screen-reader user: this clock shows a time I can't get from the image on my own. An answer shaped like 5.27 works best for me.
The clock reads 4.05
